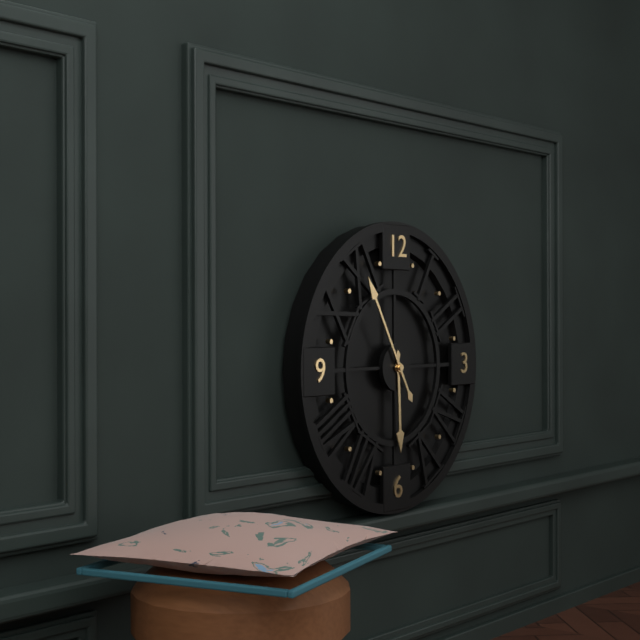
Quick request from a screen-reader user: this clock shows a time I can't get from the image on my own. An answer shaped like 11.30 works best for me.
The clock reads 5.55
